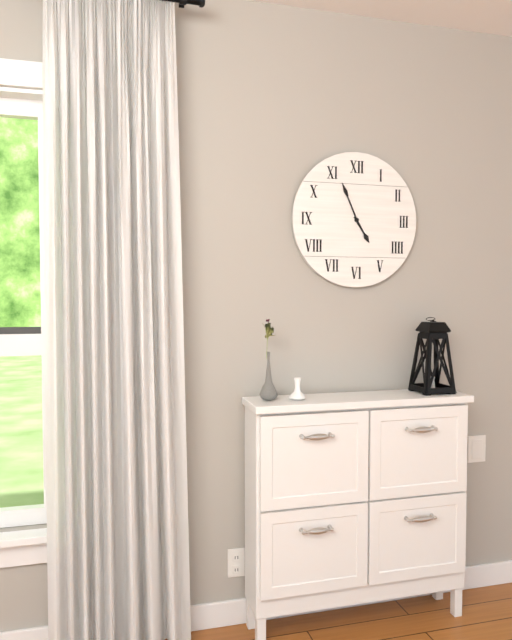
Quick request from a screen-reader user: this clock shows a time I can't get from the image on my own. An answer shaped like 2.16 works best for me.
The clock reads 4.56
